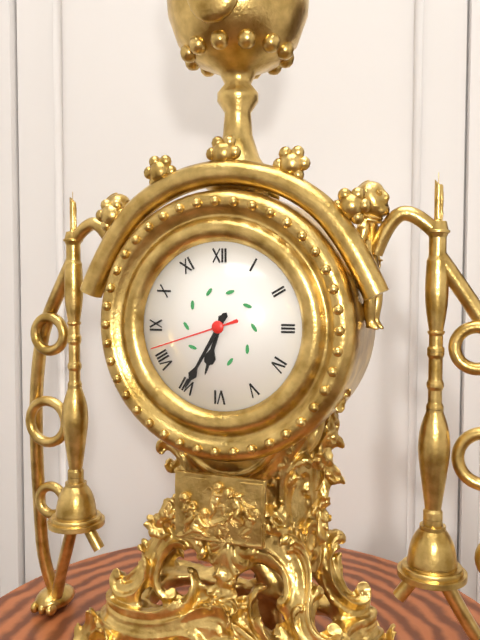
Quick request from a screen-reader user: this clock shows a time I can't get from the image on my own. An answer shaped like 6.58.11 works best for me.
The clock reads 6.35.42
